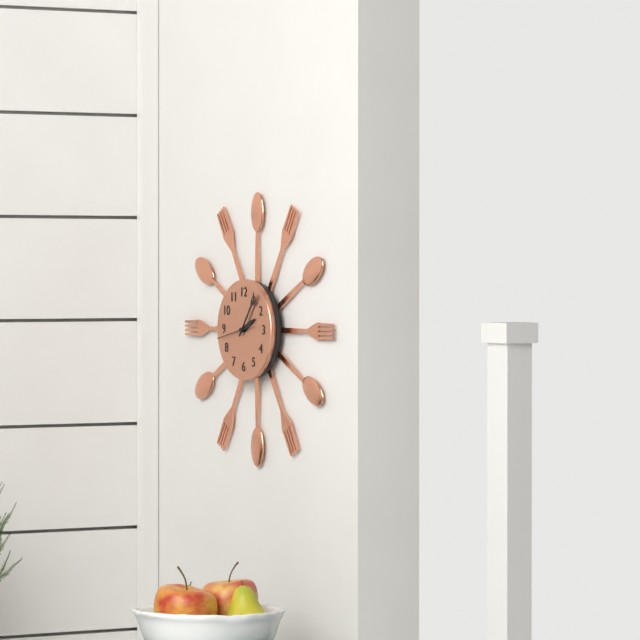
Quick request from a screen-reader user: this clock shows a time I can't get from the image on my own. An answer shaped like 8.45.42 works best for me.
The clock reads 2.06.43
